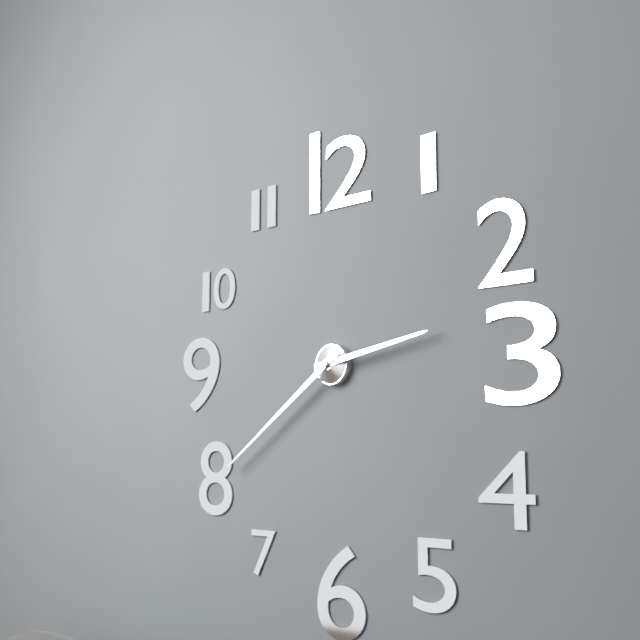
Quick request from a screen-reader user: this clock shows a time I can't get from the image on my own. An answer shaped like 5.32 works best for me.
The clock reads 2.39
